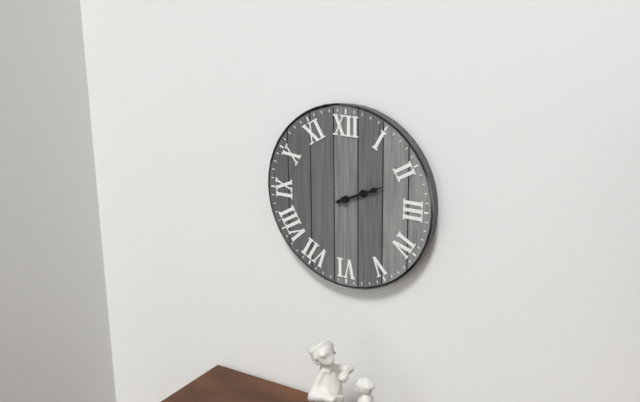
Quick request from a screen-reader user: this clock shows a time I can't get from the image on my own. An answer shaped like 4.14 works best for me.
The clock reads 2.11
